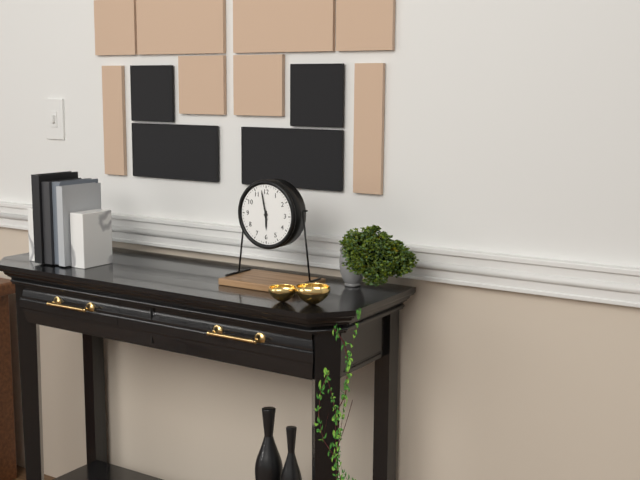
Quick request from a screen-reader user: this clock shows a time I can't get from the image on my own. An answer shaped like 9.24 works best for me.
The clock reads 5.58
